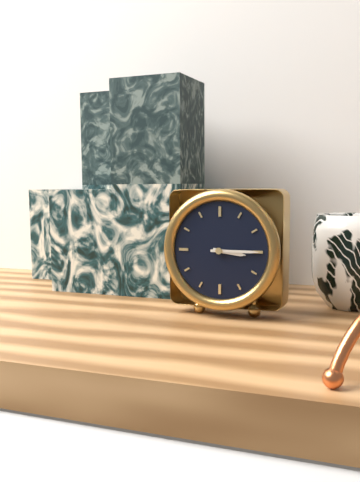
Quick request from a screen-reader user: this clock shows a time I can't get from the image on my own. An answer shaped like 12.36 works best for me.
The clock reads 3.15
